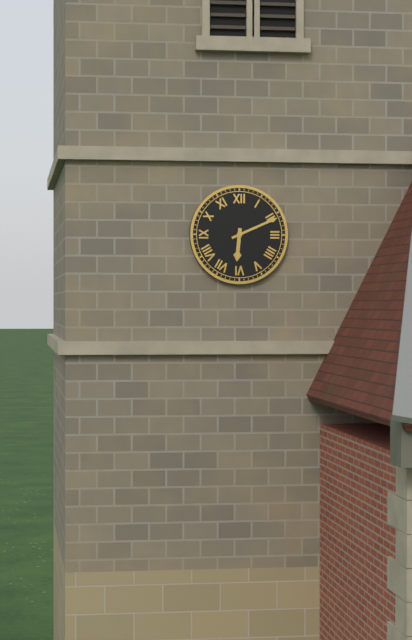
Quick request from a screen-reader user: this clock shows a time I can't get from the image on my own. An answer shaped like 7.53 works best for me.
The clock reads 6.11
